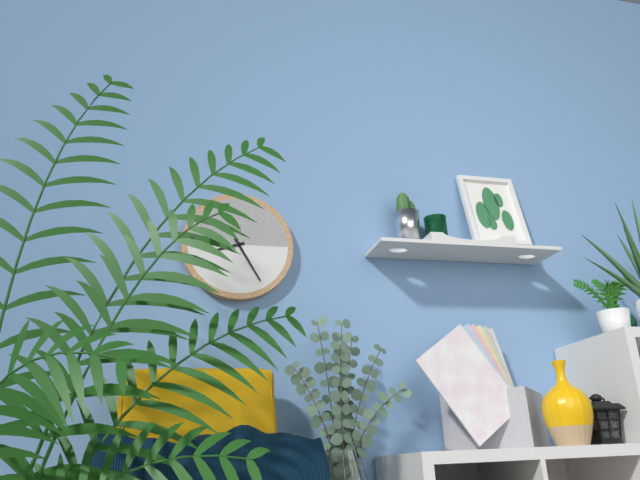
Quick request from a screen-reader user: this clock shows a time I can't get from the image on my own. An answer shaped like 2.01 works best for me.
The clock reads 8.25
